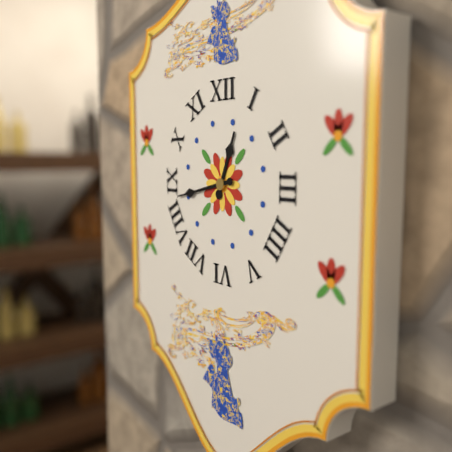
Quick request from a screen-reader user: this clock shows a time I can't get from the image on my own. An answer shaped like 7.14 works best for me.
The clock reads 12.43
